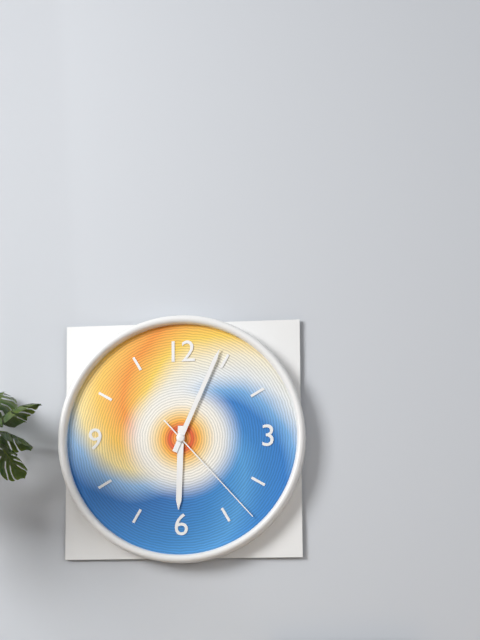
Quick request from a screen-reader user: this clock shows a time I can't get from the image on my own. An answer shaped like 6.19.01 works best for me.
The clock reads 6.04.23
